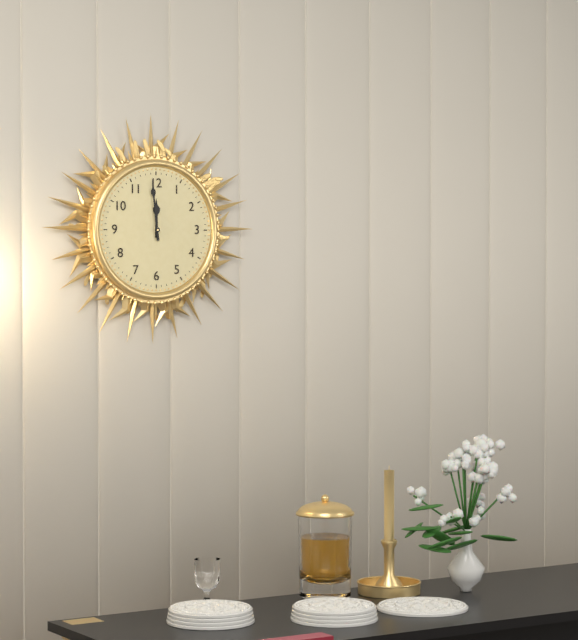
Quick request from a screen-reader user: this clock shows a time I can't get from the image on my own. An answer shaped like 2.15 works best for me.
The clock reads 11.59
